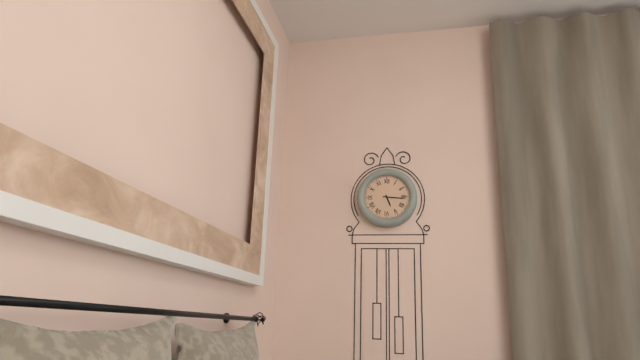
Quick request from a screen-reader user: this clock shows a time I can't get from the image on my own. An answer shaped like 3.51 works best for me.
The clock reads 5.16
